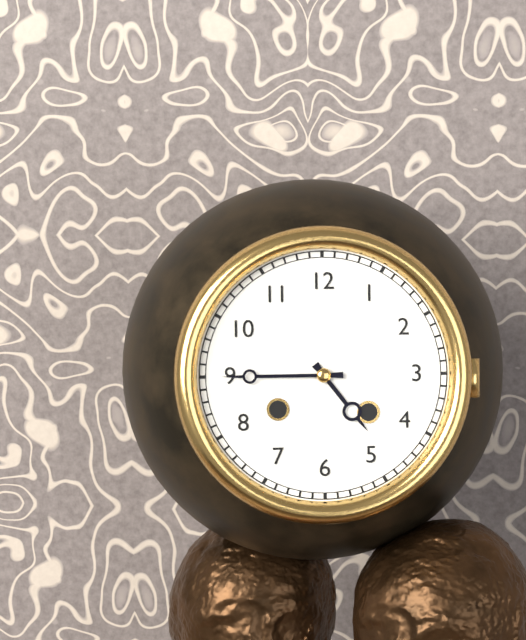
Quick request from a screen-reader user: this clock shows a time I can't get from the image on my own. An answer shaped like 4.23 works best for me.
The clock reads 4.45
